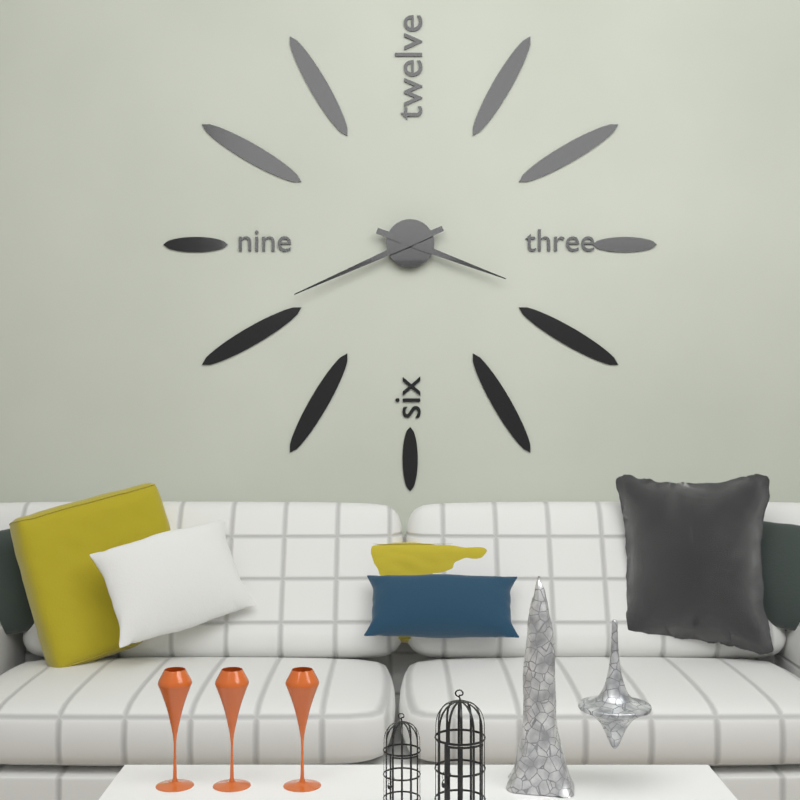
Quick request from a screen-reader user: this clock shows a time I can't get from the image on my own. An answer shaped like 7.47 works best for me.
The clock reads 3.41
